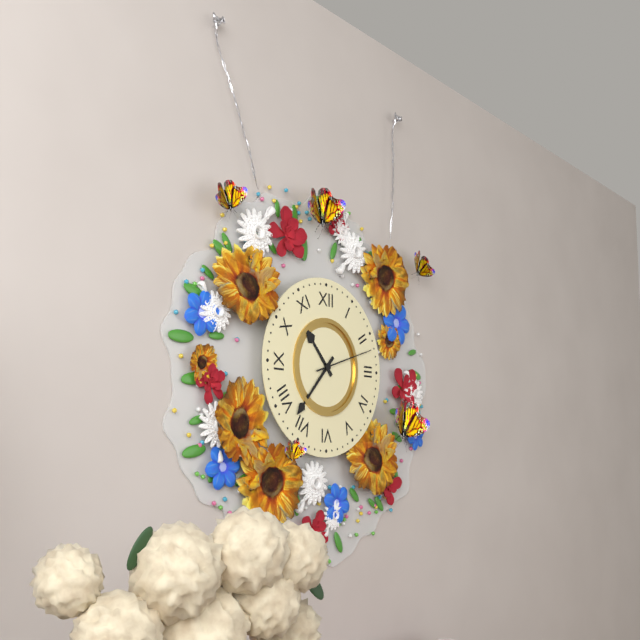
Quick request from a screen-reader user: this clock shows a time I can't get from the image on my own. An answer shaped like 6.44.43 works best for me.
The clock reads 10.37.12
